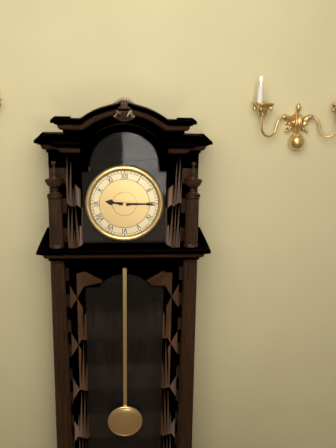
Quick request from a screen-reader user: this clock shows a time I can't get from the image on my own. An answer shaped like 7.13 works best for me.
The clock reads 9.15
